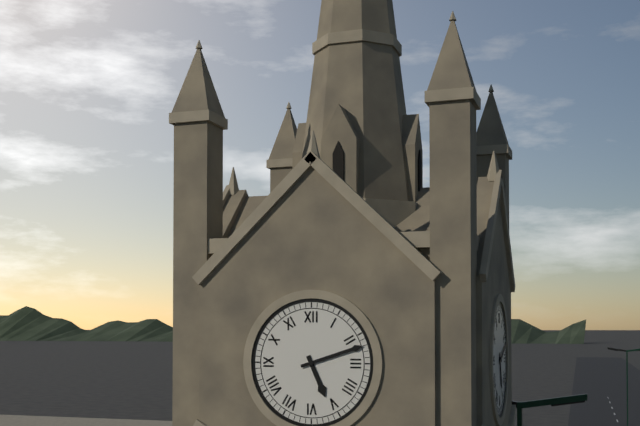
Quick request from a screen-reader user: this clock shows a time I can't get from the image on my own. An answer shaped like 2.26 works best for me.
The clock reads 5.12
